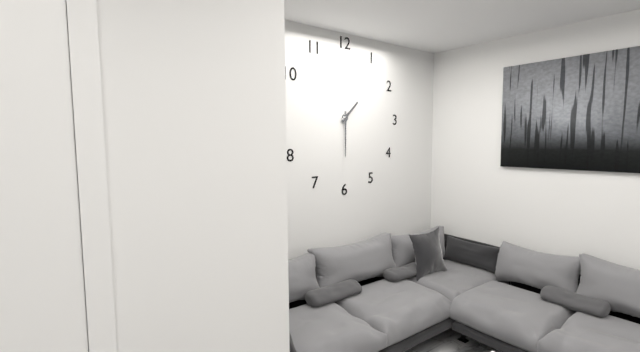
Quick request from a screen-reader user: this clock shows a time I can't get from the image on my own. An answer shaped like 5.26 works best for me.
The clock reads 1.30
